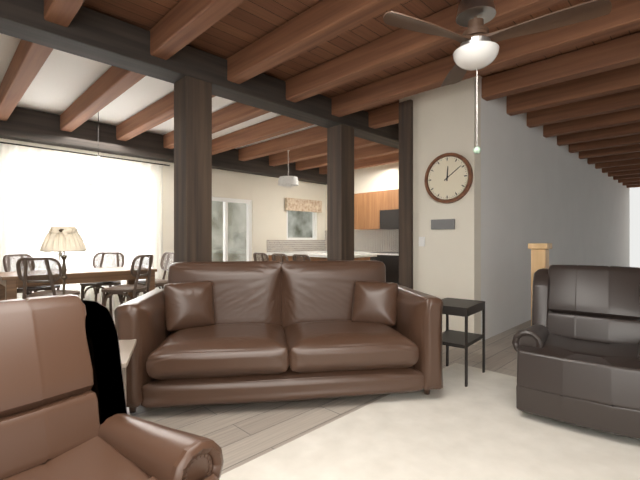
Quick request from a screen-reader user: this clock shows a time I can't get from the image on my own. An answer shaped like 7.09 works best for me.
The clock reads 12.09
